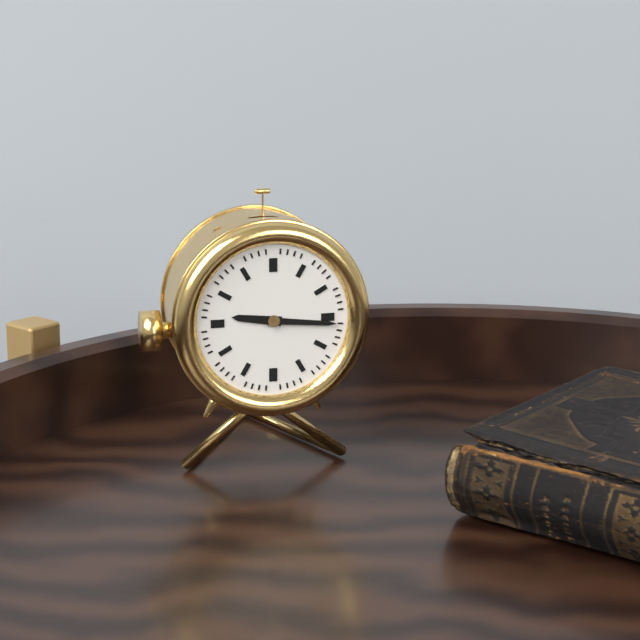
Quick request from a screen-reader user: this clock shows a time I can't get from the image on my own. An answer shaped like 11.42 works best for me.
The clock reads 9.16
